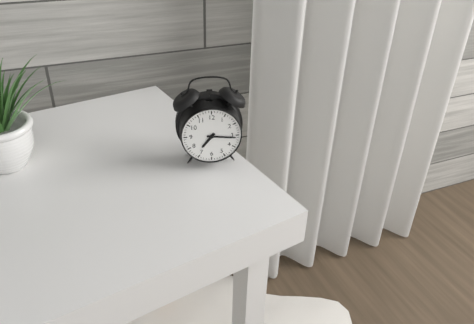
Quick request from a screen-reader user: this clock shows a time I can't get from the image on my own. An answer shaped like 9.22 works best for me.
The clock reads 7.16
